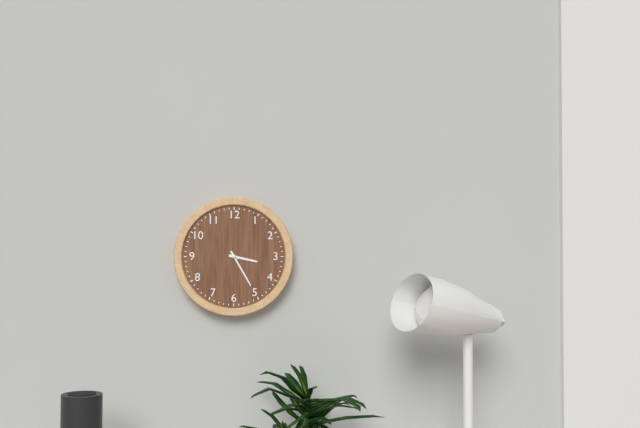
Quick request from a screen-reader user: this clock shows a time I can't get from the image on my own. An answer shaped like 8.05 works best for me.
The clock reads 3.25
